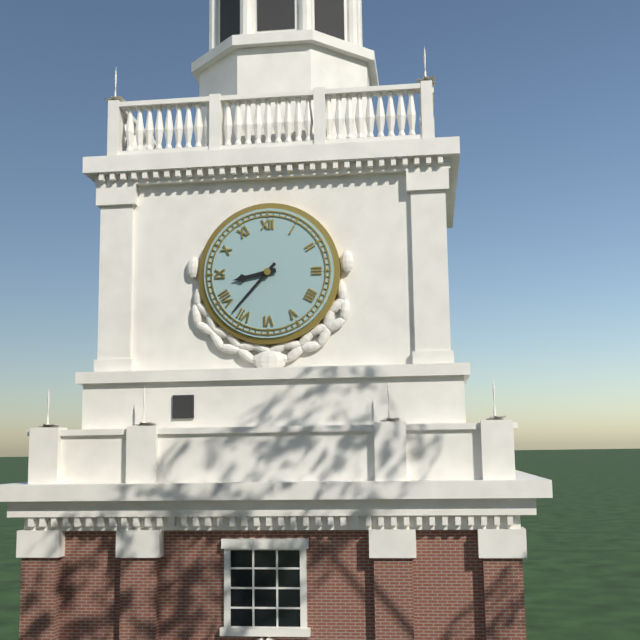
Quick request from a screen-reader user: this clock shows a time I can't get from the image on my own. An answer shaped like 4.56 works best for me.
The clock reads 8.37
